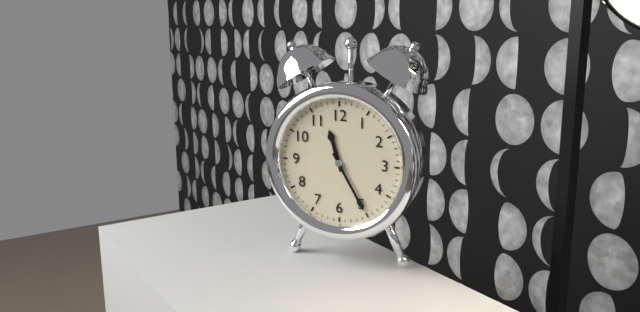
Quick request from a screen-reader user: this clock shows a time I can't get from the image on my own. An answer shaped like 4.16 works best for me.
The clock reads 11.25
